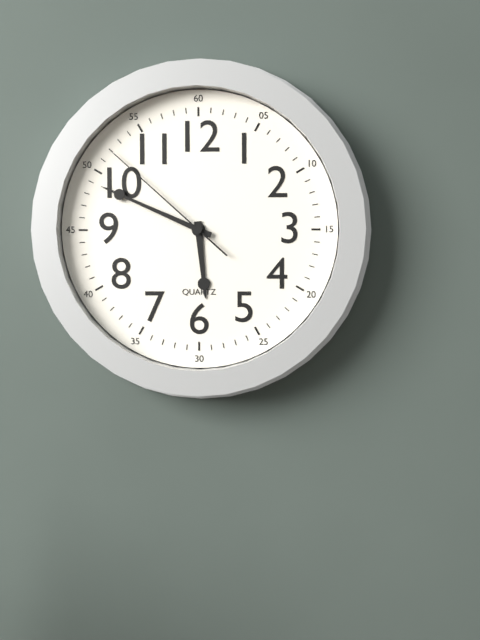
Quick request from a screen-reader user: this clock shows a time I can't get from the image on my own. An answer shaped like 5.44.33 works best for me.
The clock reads 5.49.52
